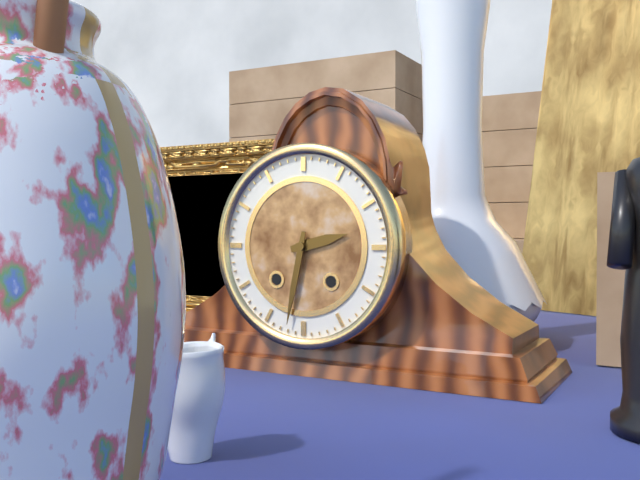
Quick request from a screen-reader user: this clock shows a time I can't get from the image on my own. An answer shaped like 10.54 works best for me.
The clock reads 2.32
